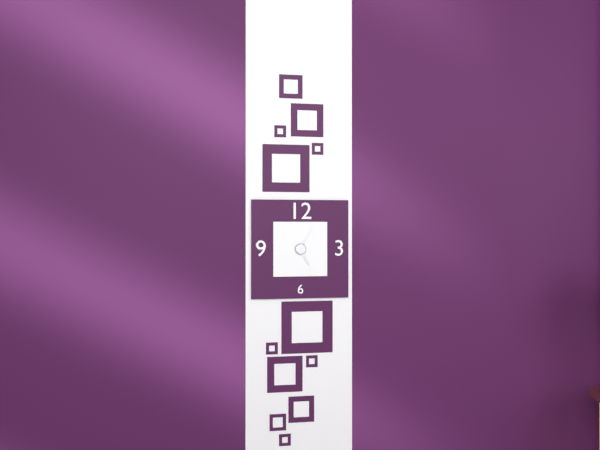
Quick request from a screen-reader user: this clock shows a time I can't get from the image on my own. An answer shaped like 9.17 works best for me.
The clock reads 5.05
